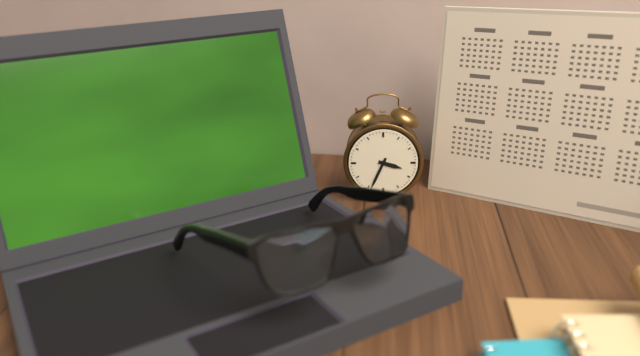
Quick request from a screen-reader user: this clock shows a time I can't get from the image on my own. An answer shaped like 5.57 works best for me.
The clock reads 3.34
